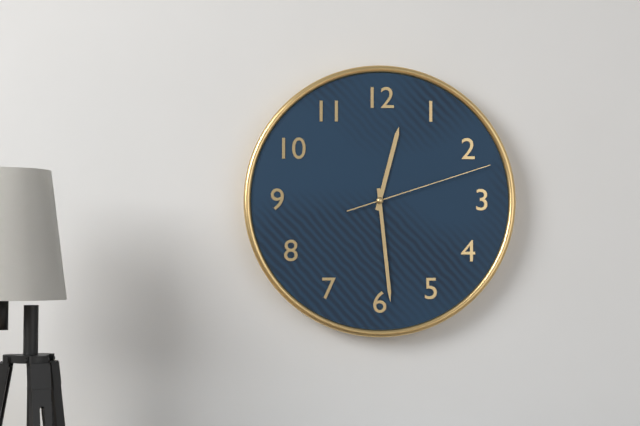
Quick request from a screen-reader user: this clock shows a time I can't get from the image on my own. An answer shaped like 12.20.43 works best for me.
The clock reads 12.29.12
